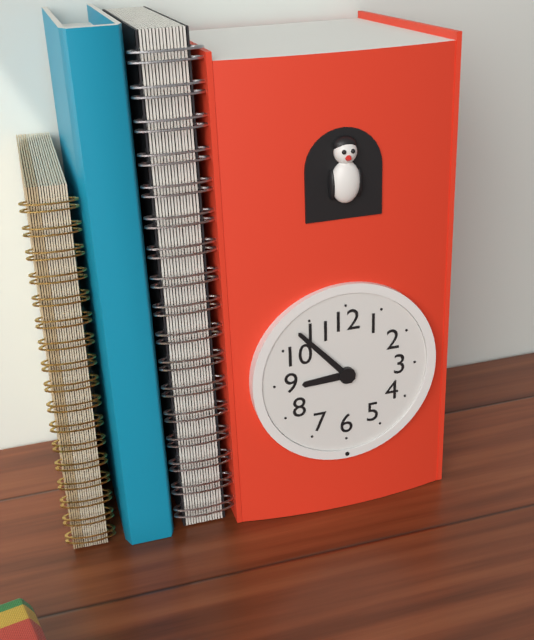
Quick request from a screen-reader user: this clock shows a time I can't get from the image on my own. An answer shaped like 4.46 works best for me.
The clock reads 8.53
